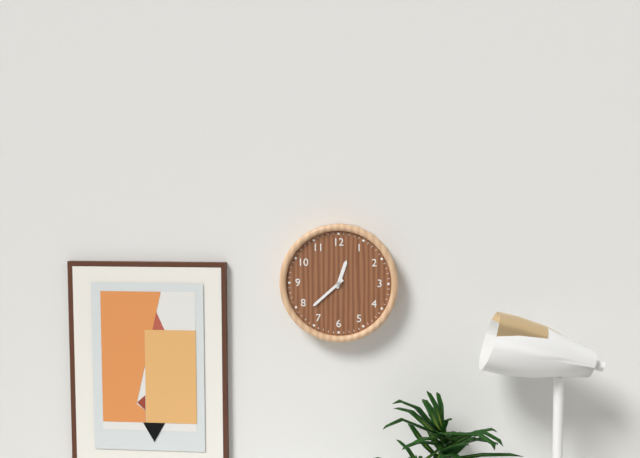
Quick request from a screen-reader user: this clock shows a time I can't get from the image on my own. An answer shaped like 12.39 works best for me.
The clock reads 12.38
